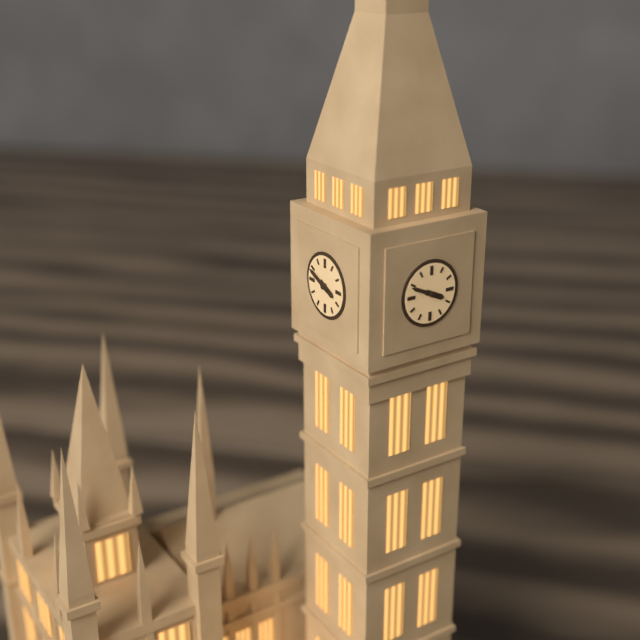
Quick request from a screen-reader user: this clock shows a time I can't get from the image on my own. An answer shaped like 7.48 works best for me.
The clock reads 3.49
